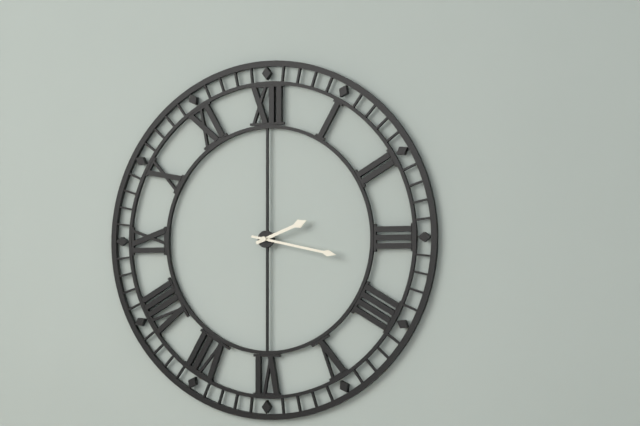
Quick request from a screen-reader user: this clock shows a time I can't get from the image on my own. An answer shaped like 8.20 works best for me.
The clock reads 2.17
